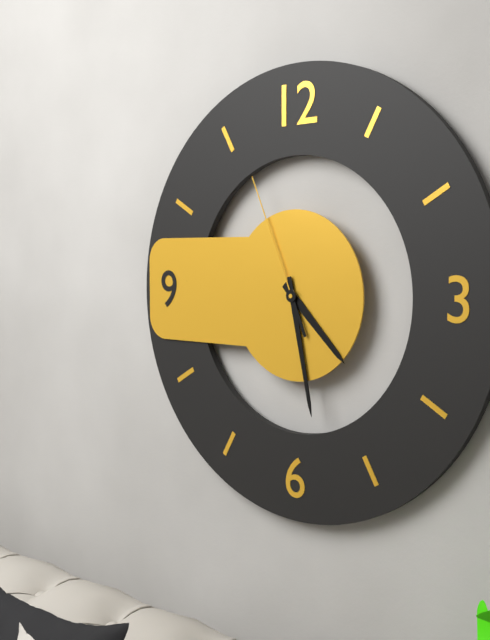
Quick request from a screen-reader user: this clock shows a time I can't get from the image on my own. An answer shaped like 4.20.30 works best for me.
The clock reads 4.28.56
